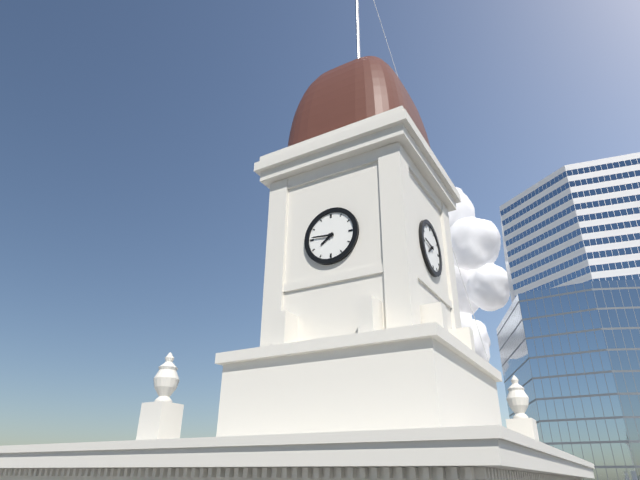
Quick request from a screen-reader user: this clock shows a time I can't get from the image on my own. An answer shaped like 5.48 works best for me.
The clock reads 7.46
